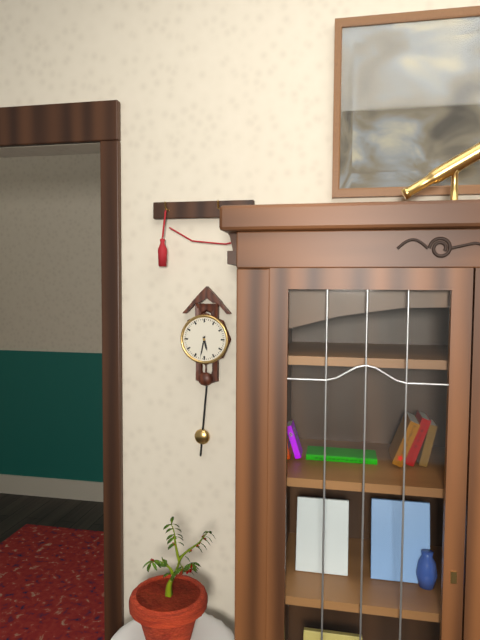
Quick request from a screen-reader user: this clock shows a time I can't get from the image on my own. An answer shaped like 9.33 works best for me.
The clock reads 5.32
